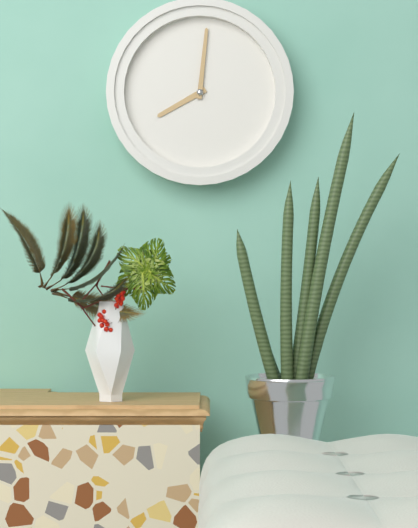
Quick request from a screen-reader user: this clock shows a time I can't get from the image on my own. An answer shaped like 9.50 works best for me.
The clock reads 8.01
